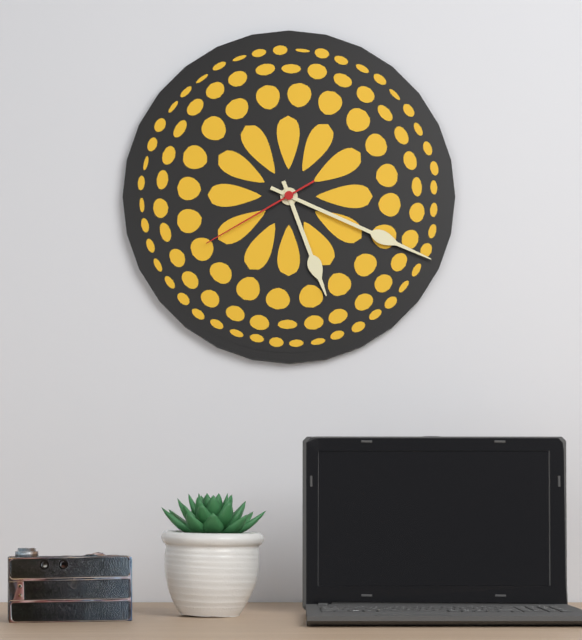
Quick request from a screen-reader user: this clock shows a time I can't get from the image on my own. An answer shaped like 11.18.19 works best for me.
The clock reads 5.19.40
